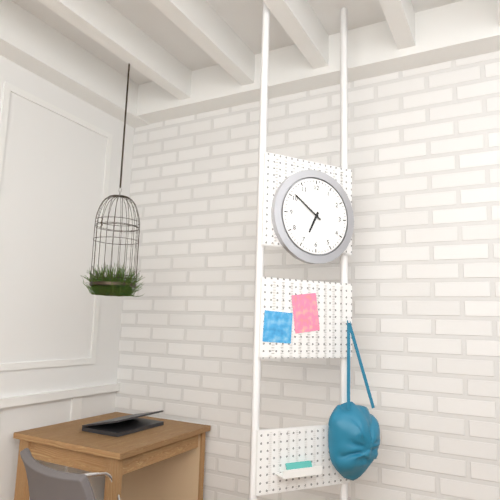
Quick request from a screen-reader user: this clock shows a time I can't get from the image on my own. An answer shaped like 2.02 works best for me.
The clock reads 6.51
